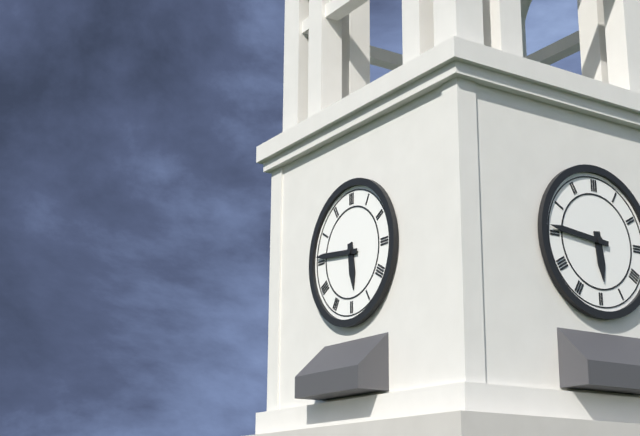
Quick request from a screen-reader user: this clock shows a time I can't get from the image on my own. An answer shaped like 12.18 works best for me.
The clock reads 5.46
